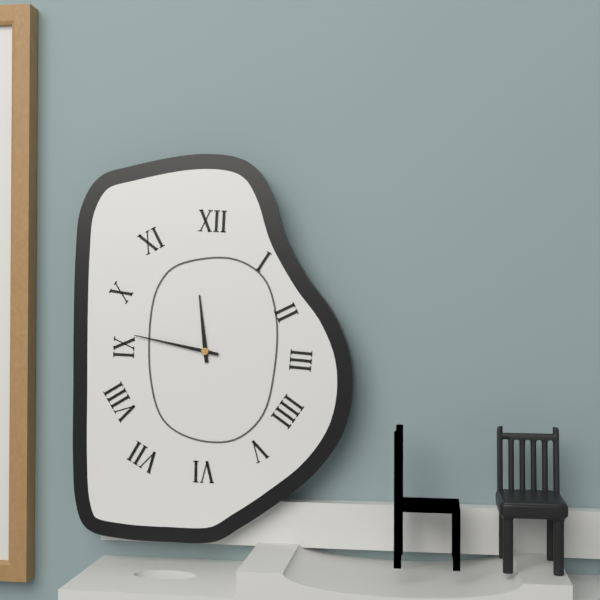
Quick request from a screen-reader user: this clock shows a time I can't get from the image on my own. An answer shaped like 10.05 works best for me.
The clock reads 11.47
